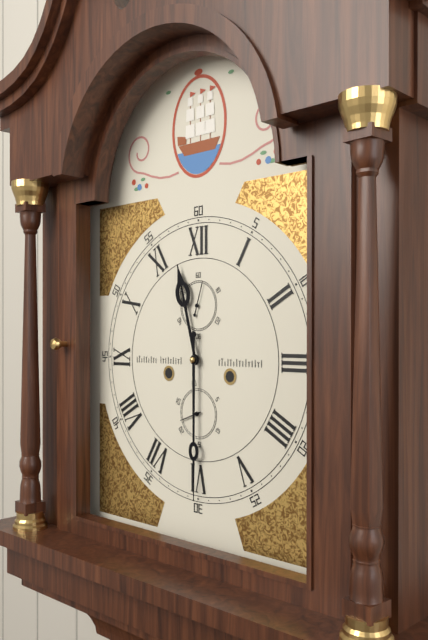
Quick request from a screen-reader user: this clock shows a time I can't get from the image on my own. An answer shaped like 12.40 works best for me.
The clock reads 11.30
